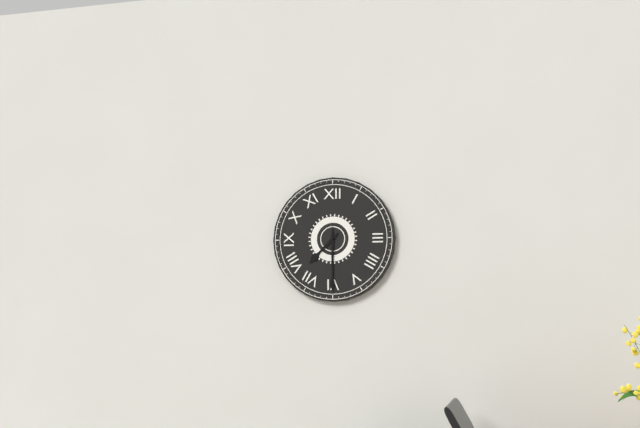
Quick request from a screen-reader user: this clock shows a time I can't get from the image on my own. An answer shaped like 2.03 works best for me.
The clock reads 7.30
